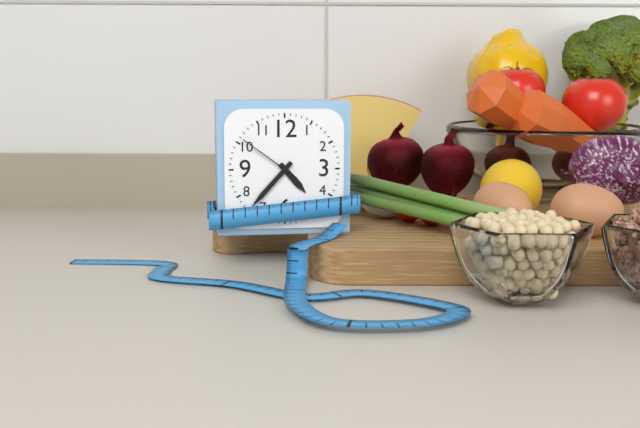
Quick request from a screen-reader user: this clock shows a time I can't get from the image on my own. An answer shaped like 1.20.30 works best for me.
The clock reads 4.37.51
